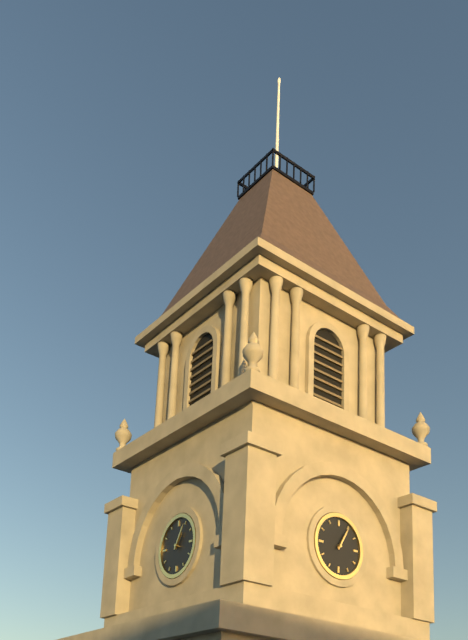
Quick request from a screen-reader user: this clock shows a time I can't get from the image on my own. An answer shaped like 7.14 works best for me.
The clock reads 1.05
